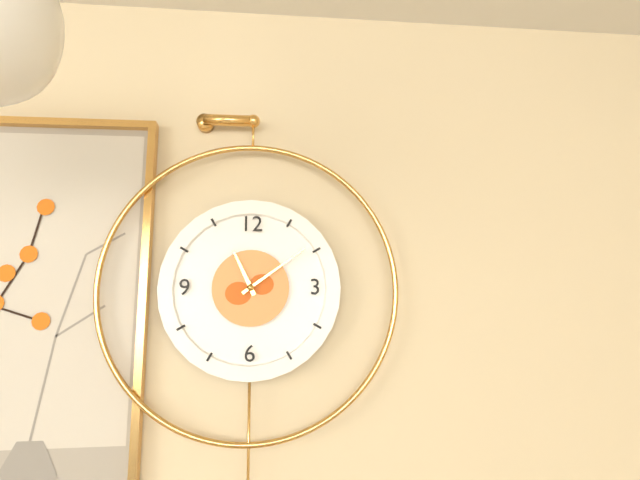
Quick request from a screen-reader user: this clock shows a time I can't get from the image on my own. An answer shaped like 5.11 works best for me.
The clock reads 11.09
